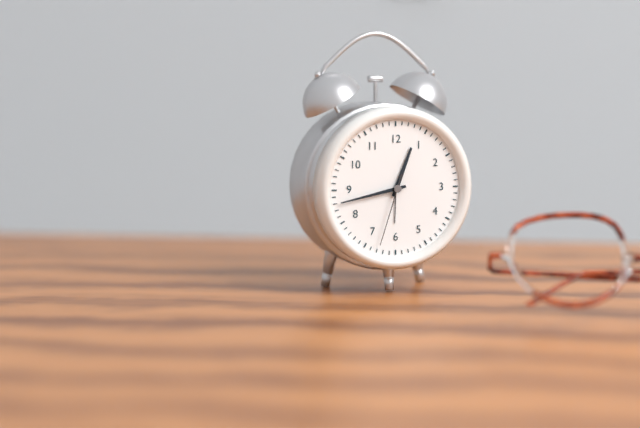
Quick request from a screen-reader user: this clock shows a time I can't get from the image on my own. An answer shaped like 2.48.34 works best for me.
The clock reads 12.43.33
